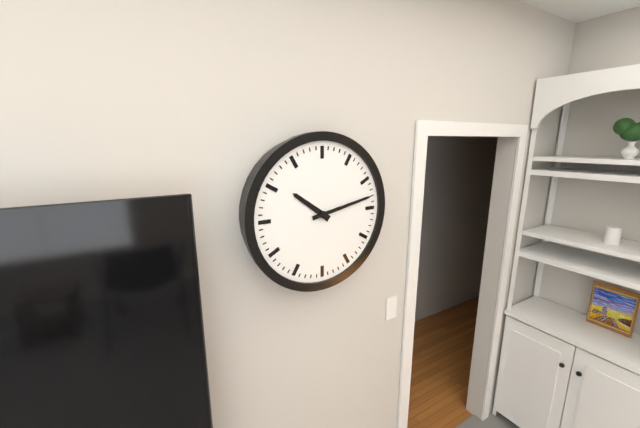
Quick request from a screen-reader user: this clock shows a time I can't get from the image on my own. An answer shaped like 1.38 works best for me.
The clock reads 10.13
